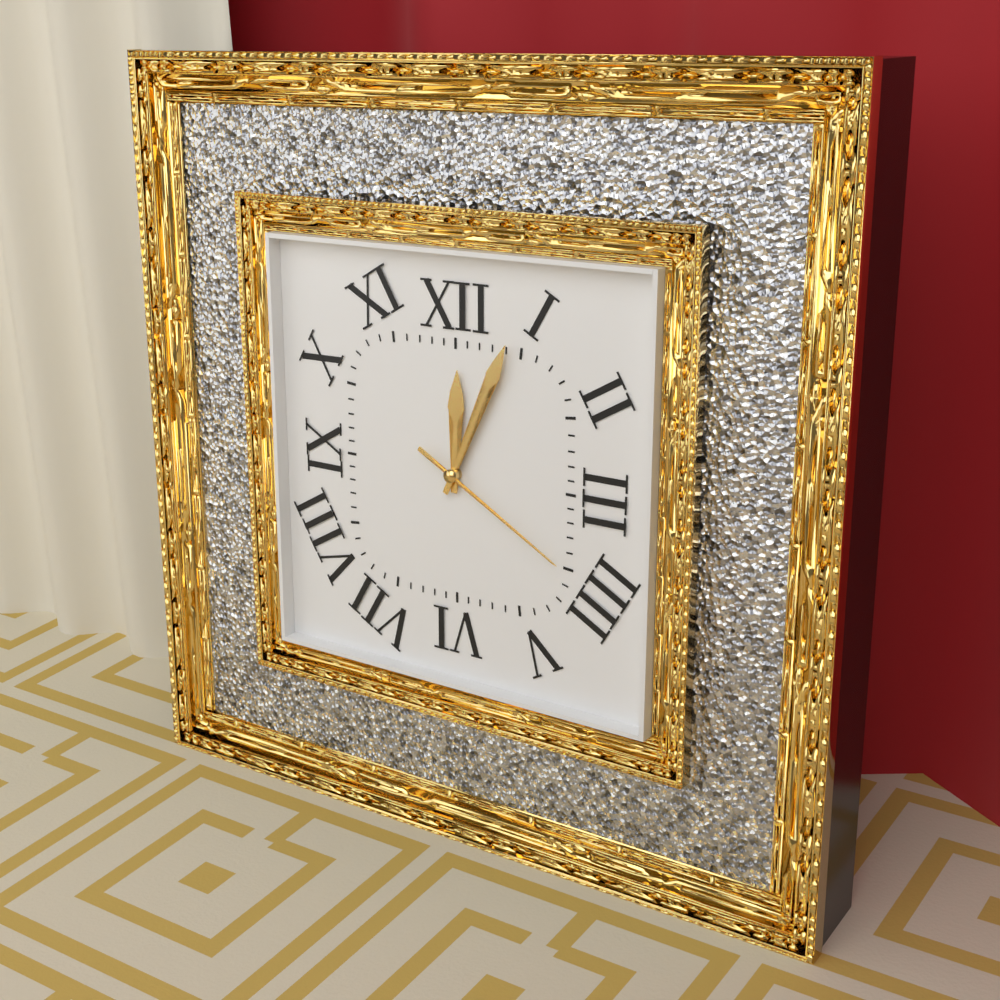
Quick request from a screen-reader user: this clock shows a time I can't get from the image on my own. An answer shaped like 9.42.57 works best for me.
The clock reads 12.04.20
